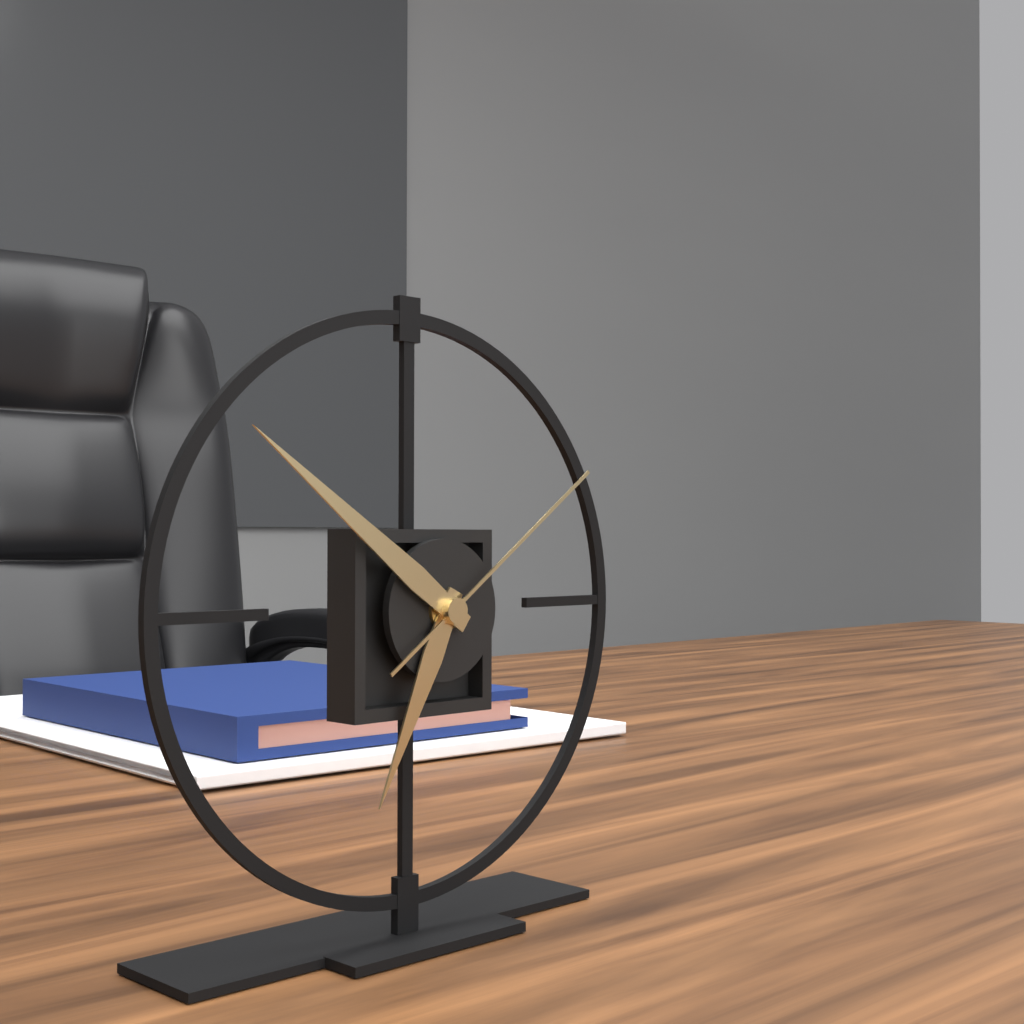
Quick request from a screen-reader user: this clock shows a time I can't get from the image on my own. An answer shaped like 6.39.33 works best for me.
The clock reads 6.51.09
